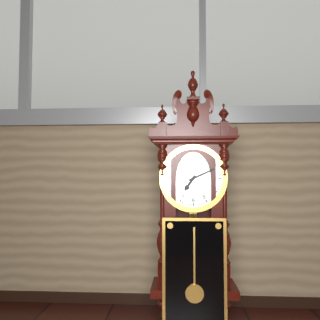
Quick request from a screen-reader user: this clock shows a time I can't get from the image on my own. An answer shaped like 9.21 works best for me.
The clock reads 7.11
